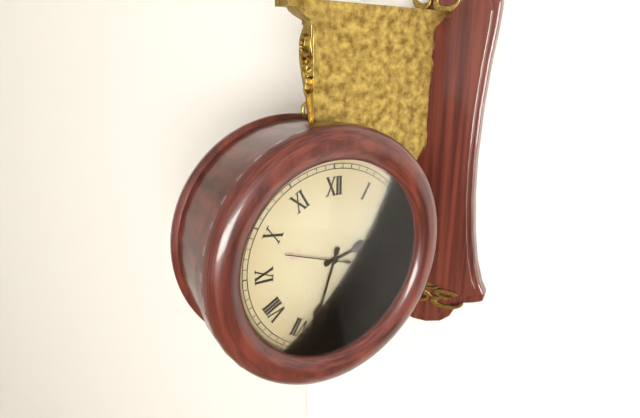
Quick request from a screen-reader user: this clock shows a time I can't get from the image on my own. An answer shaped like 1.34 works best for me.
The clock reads 2.33
